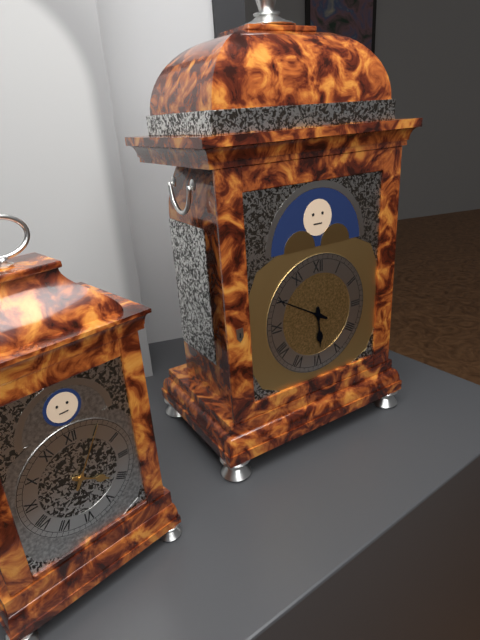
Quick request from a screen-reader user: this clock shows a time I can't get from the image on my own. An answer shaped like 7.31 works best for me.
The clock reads 5.50
